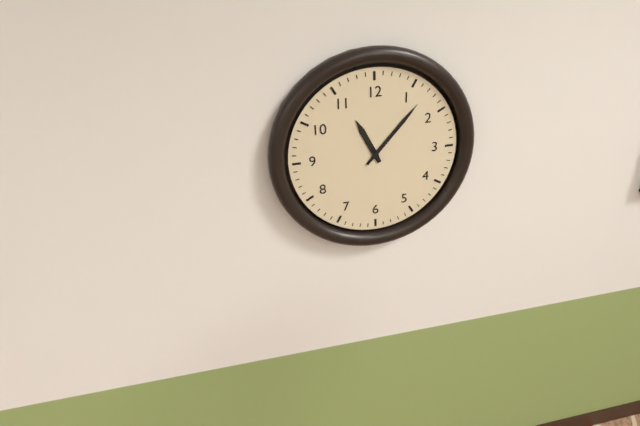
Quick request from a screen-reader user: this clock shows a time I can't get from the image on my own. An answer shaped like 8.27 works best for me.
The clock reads 11.07
